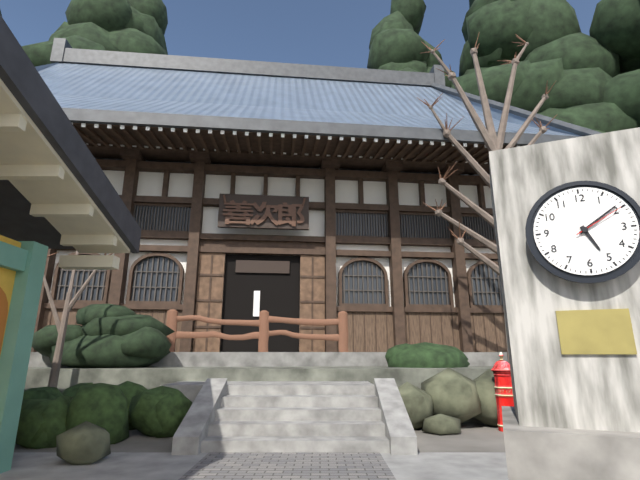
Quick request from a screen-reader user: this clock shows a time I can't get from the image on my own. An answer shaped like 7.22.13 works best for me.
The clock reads 5.09.10
